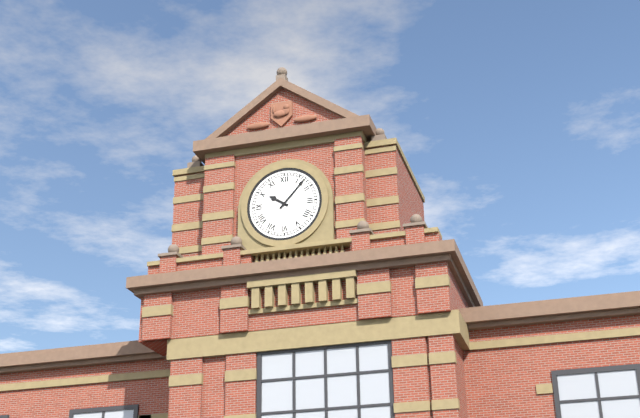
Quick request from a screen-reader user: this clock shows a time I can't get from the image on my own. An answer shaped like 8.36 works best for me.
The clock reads 10.07
